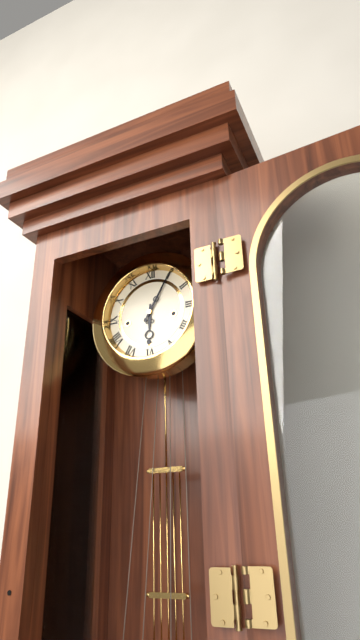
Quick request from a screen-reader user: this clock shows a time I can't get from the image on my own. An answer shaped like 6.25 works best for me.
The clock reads 6.05
